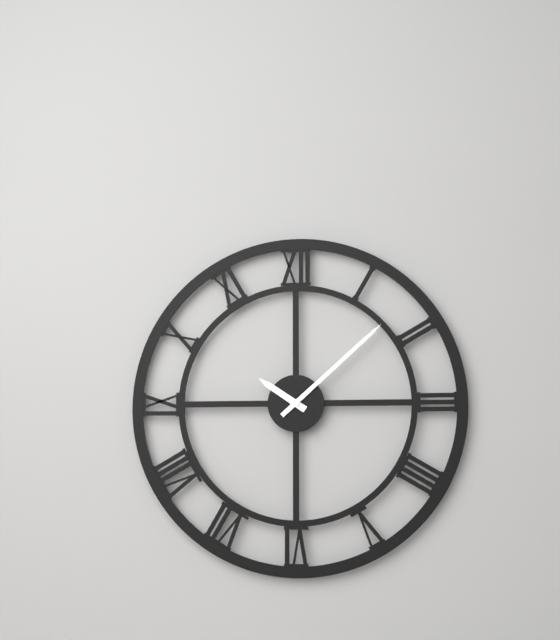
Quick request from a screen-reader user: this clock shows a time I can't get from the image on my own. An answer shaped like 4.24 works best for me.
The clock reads 10.08
